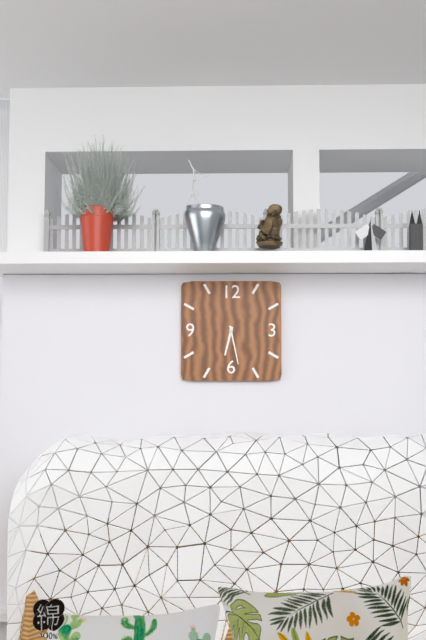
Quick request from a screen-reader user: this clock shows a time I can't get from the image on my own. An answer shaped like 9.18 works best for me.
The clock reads 6.28
